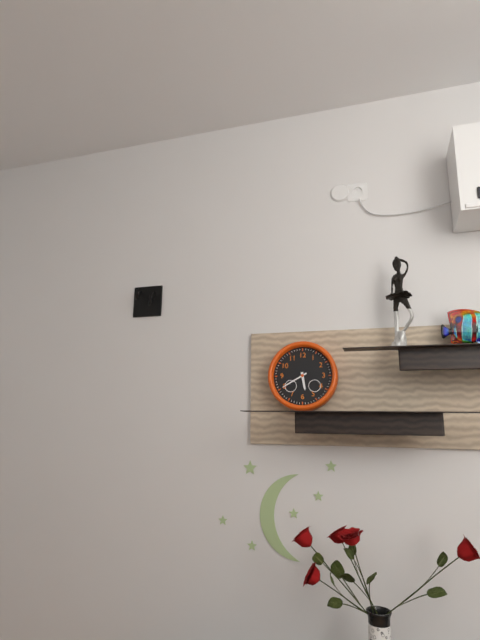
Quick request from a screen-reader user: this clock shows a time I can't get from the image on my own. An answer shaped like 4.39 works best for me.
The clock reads 5.40
